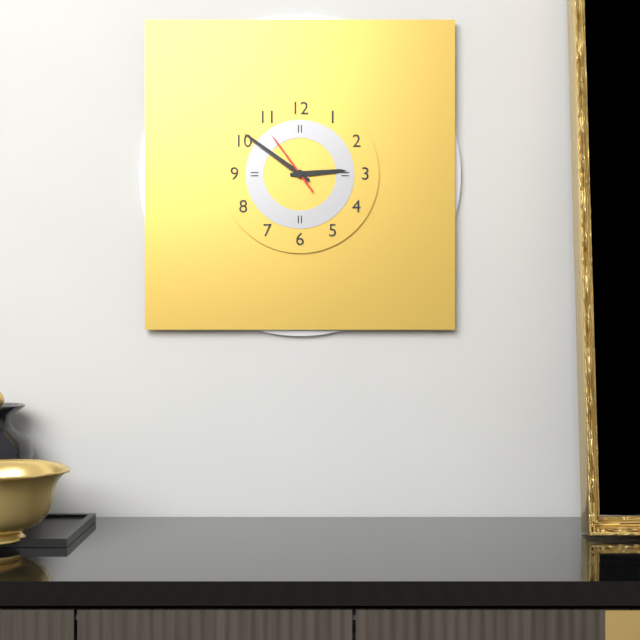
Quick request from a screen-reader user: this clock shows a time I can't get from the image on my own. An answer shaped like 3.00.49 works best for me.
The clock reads 2.51.54
